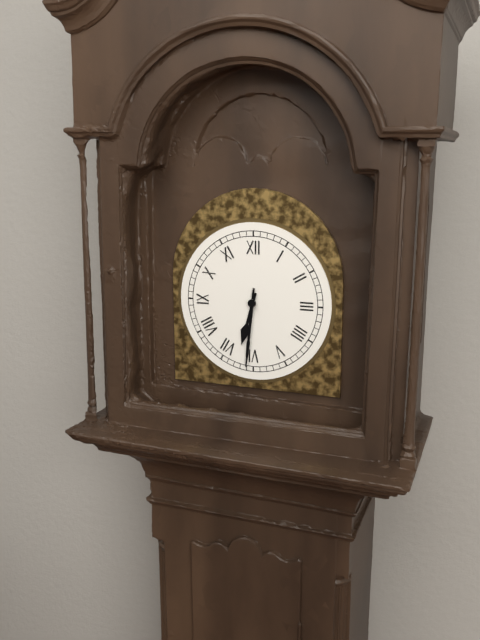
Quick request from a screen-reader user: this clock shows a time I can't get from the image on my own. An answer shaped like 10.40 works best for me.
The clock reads 6.31
